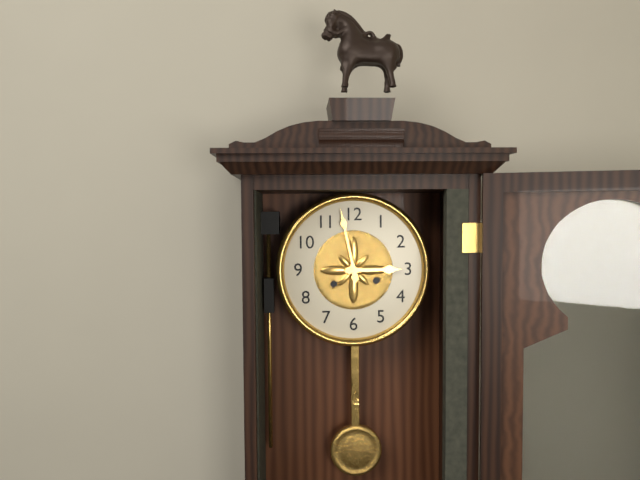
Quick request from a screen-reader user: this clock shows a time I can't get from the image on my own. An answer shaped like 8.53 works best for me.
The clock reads 2.58
